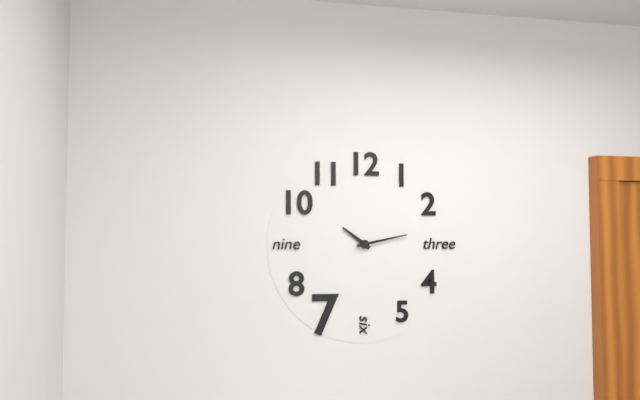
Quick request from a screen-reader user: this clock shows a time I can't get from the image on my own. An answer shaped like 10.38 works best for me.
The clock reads 10.13
